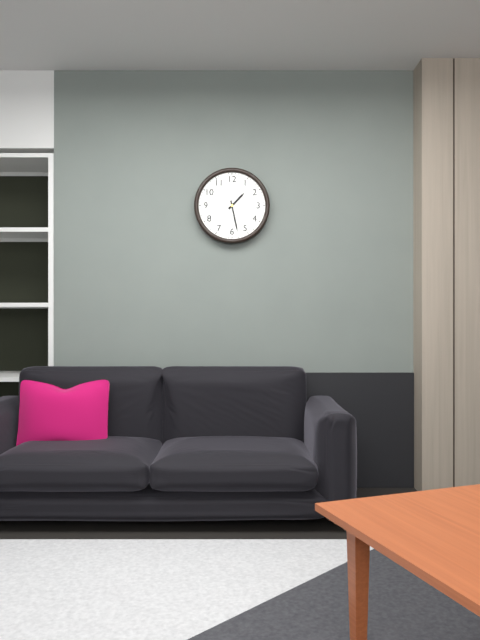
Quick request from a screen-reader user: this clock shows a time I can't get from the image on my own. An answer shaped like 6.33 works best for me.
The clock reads 1.28
